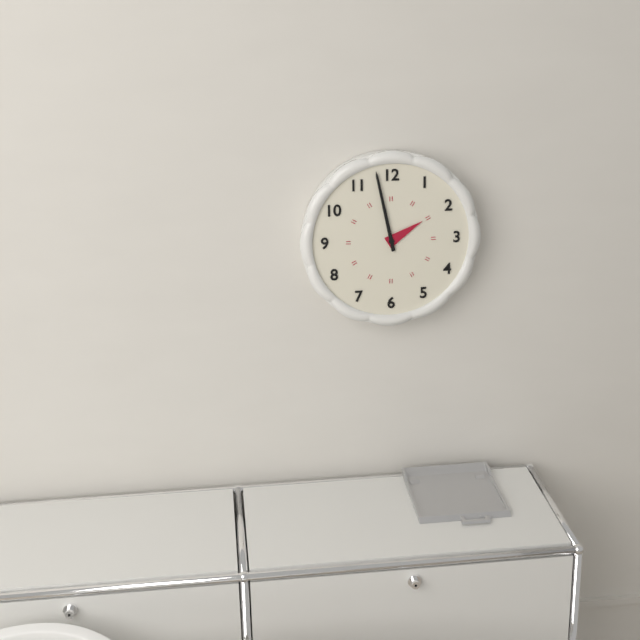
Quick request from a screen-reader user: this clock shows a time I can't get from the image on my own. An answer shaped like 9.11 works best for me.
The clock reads 1.58
